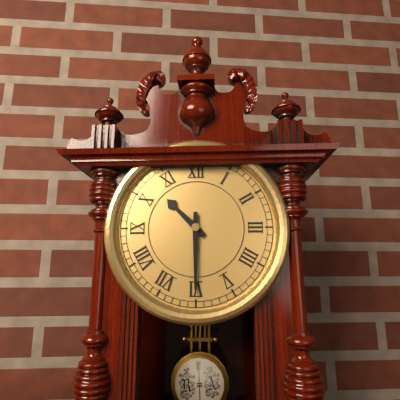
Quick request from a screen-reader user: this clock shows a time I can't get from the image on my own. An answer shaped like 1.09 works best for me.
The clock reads 10.30
